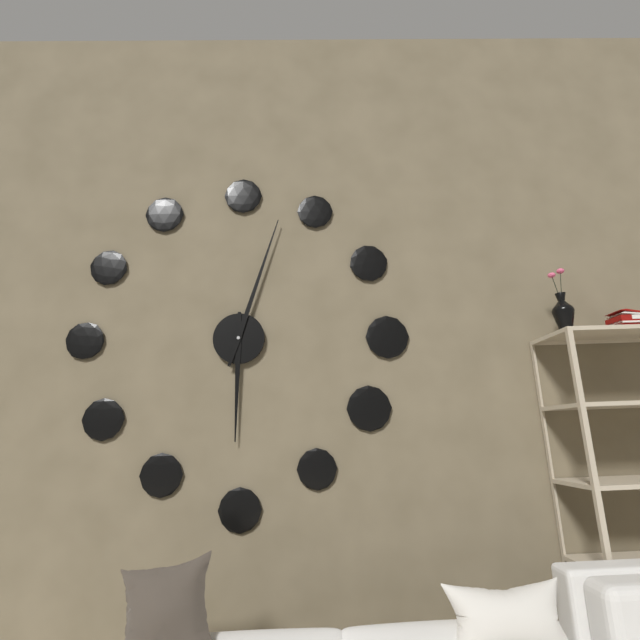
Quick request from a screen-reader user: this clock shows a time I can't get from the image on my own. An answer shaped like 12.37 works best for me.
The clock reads 6.03
